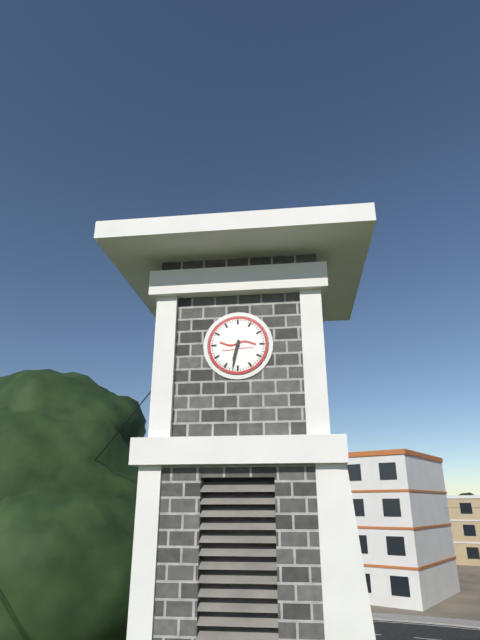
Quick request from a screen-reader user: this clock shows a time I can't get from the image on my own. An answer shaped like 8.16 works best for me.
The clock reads 6.32
